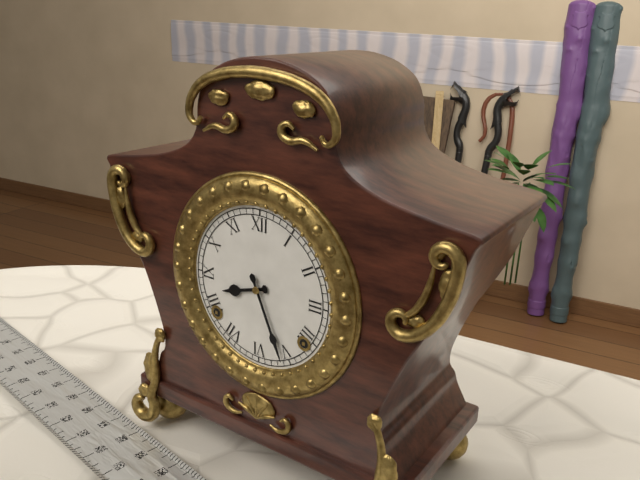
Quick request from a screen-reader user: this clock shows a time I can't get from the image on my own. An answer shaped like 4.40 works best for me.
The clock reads 8.26
